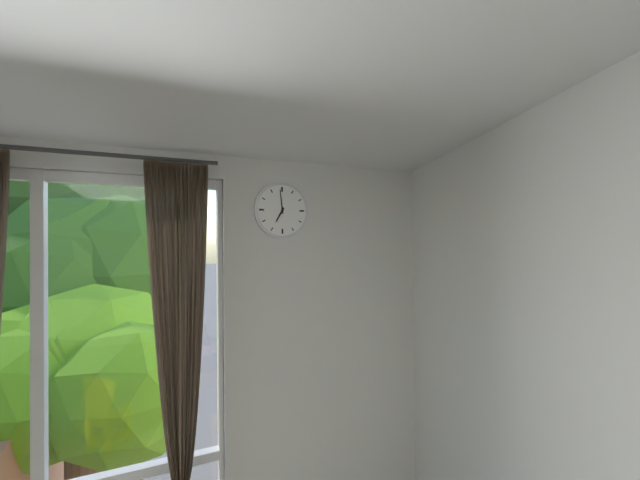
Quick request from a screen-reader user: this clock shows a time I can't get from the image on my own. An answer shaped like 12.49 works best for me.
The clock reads 6.59
